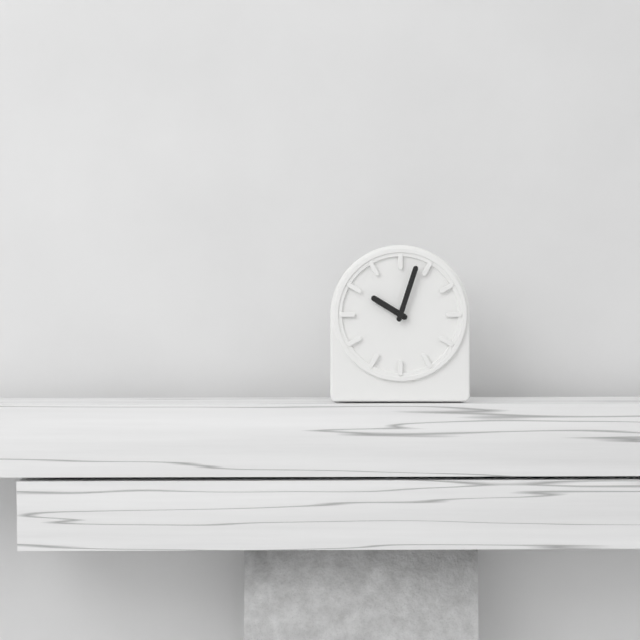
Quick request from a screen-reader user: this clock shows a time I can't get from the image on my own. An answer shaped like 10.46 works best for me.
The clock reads 10.03
